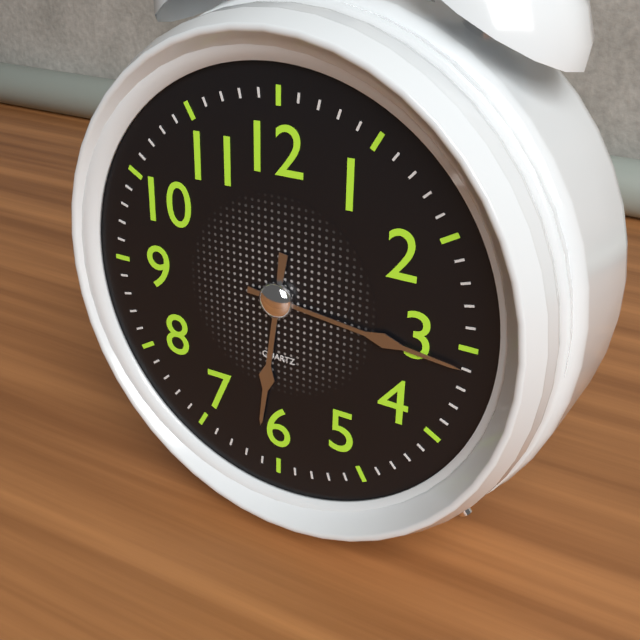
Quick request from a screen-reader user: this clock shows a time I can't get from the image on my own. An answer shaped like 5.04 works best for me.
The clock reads 6.16
